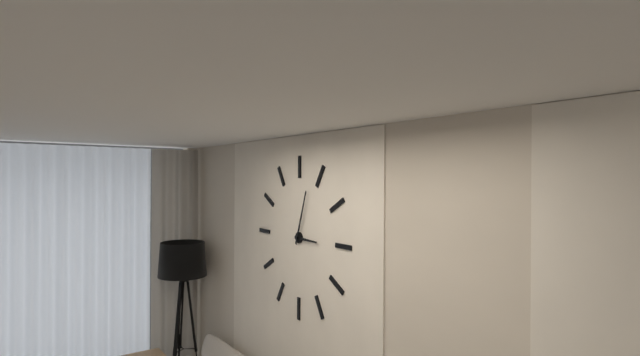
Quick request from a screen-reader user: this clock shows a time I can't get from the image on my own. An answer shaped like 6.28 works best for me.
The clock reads 3.03
